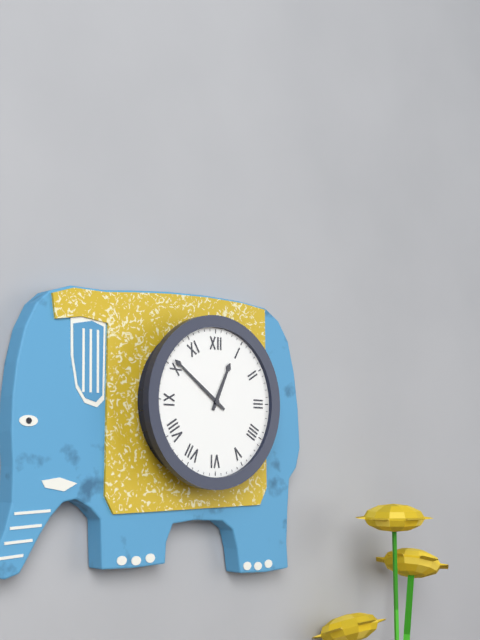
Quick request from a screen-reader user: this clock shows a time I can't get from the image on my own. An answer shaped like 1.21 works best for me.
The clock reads 12.51
